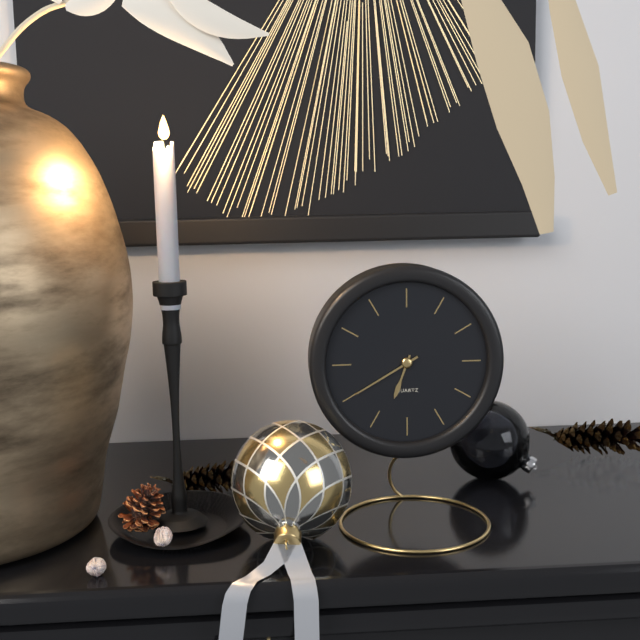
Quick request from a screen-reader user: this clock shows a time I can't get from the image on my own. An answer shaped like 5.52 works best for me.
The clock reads 6.40
